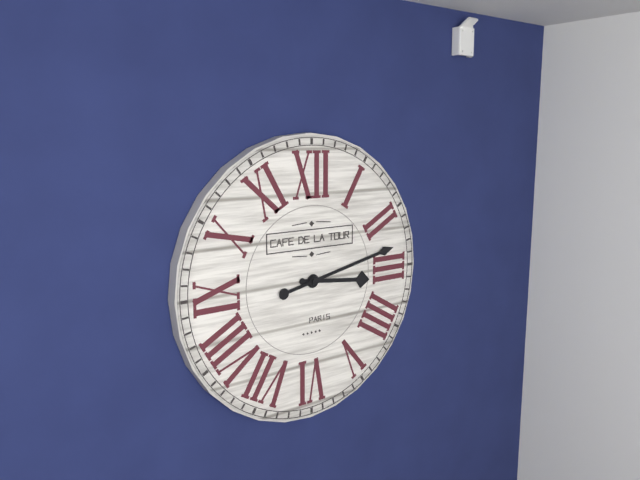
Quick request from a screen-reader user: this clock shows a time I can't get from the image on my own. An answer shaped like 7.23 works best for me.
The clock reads 3.13
